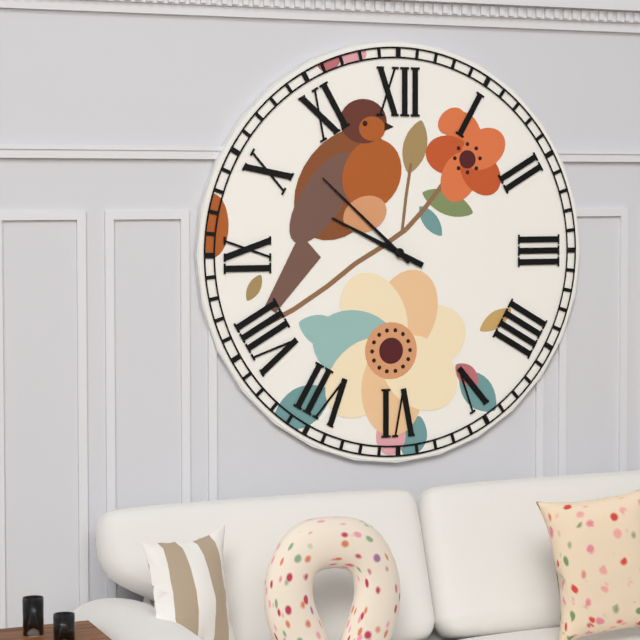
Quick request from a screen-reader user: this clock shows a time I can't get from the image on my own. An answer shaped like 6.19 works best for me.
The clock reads 9.52
